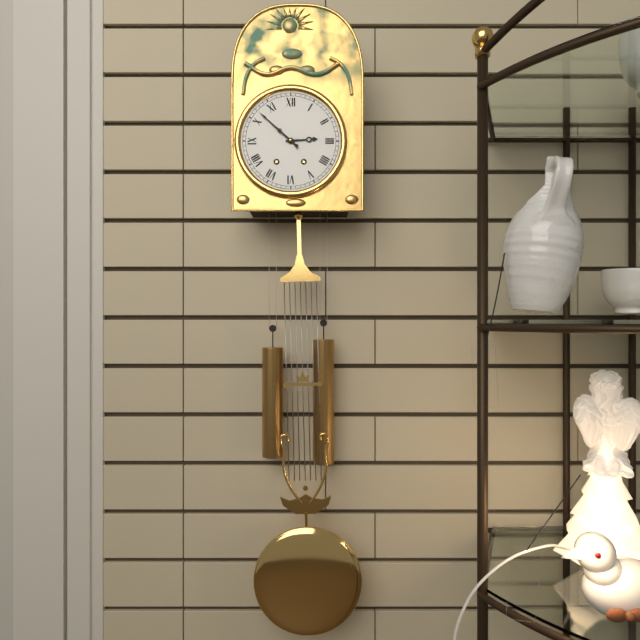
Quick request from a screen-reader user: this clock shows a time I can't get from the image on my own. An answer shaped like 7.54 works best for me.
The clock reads 2.52
